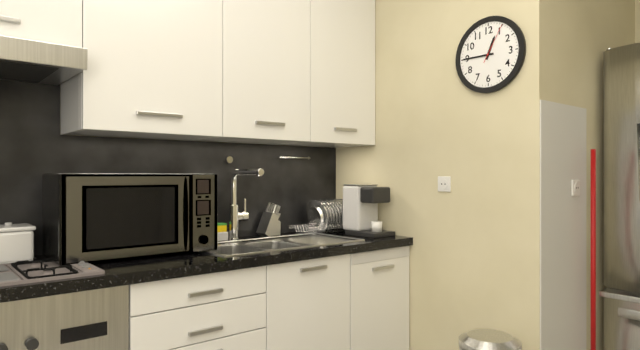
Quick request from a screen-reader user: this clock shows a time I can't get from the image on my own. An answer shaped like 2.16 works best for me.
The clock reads 12.45
